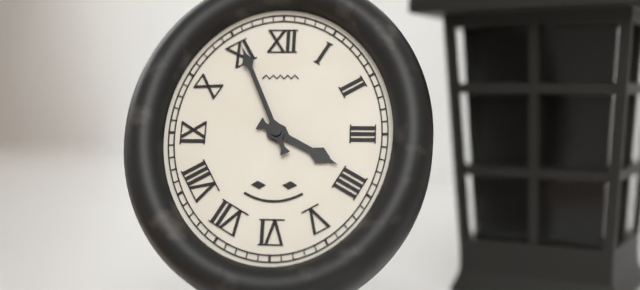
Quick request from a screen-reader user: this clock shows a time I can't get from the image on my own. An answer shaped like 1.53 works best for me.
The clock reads 3.56
